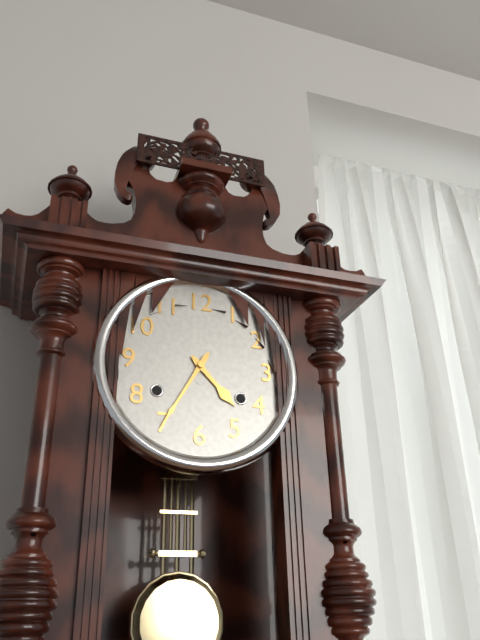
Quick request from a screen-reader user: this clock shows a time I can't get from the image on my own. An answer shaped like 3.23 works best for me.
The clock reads 4.35
